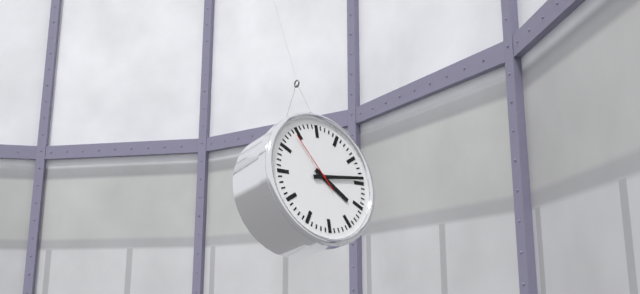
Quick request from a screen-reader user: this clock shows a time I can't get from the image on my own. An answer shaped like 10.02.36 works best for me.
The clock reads 4.14.54
